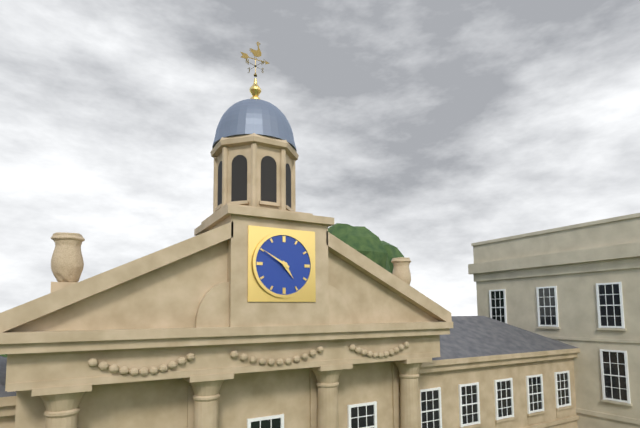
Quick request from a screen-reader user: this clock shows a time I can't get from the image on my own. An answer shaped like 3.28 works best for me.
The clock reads 4.50
